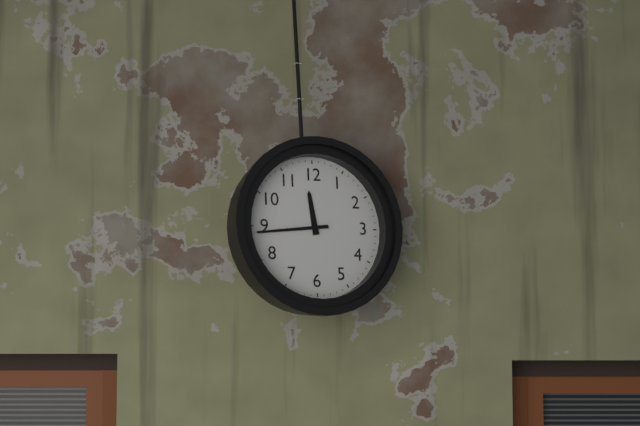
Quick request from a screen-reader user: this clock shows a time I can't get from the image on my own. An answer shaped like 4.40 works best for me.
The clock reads 11.44
